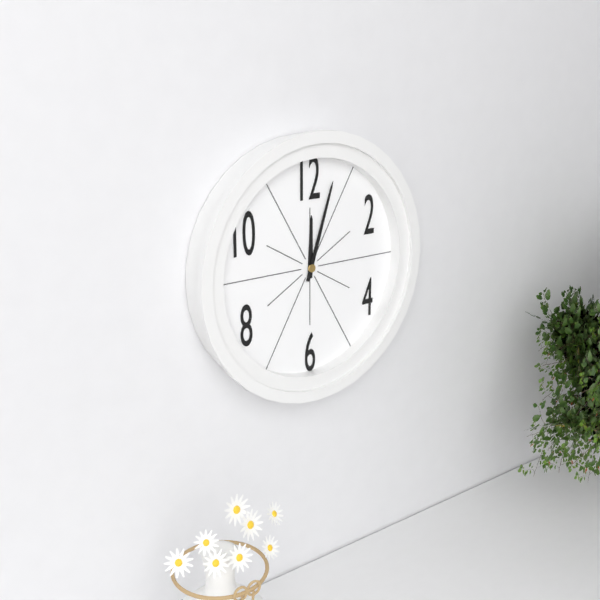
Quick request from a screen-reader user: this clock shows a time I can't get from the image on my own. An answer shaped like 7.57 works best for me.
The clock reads 12.03
